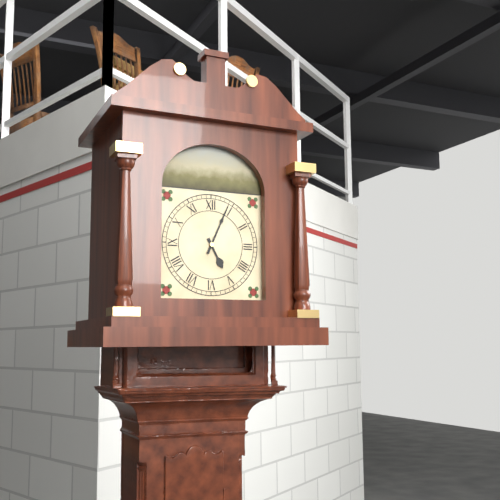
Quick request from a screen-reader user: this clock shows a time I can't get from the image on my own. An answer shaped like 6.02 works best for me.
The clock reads 5.04
